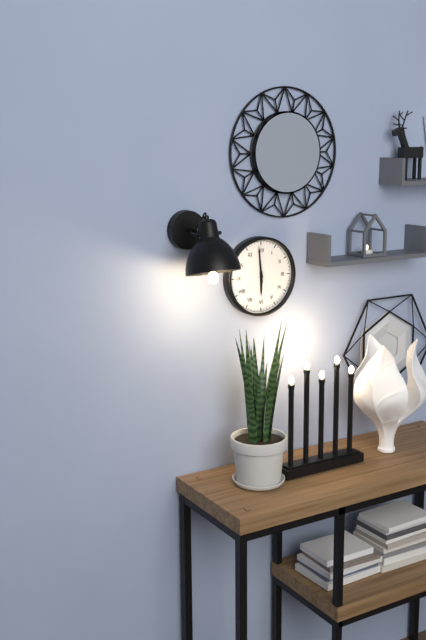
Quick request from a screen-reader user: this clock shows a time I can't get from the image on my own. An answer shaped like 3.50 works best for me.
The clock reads 5.59
